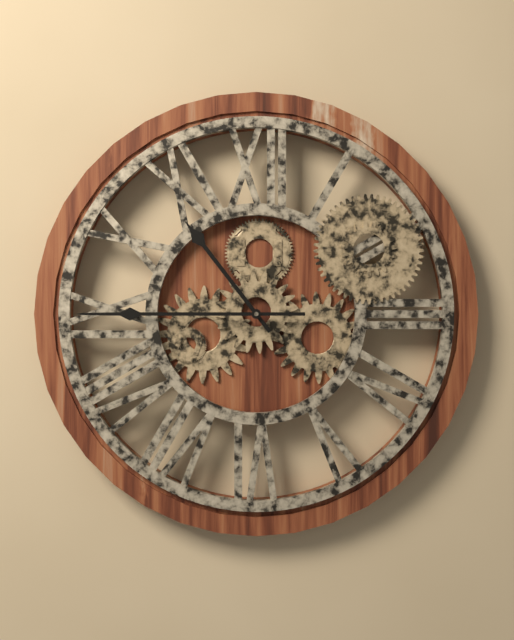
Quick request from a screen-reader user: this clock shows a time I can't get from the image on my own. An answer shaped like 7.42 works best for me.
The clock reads 10.45
